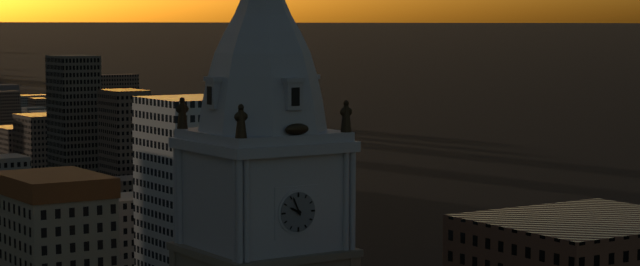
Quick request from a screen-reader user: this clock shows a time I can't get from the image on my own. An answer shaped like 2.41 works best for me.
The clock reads 9.56
